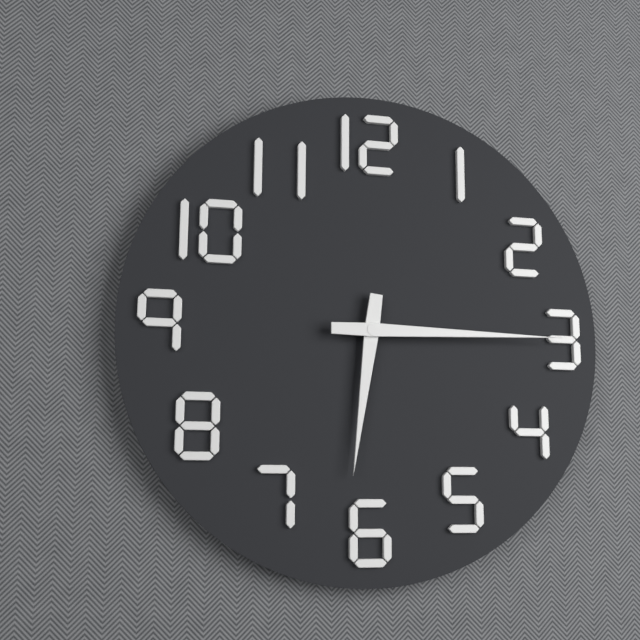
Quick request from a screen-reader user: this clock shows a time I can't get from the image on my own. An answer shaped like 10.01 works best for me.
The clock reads 6.15
